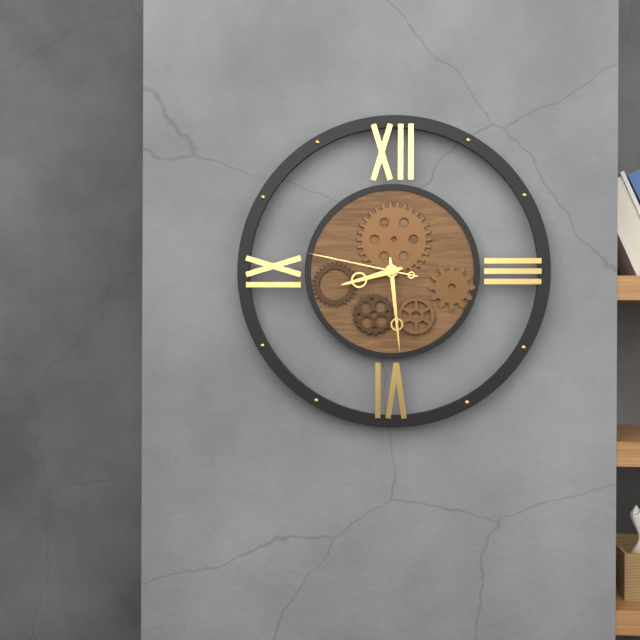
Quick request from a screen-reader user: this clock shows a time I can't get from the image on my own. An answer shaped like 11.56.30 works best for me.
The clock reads 8.29.47
